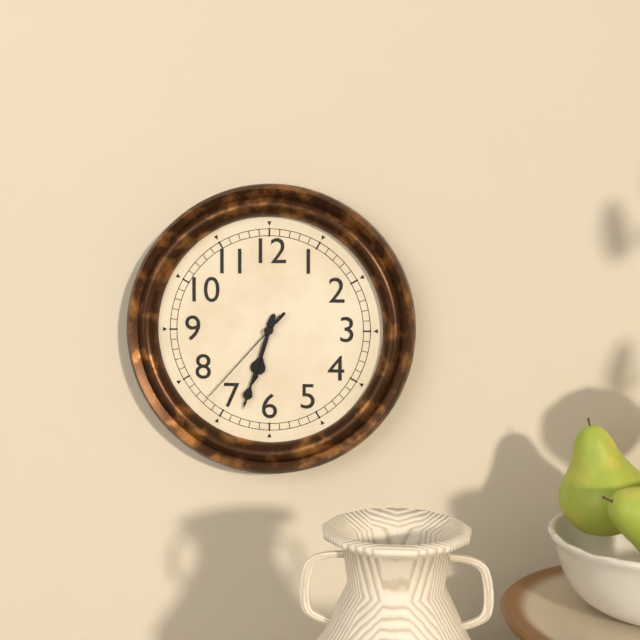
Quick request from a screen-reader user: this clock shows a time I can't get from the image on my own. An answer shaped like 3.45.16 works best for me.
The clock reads 6.33.37
